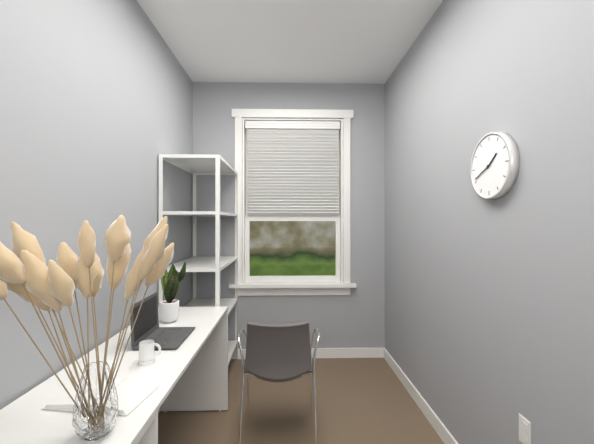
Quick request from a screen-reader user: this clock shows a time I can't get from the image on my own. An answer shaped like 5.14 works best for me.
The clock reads 1.41
